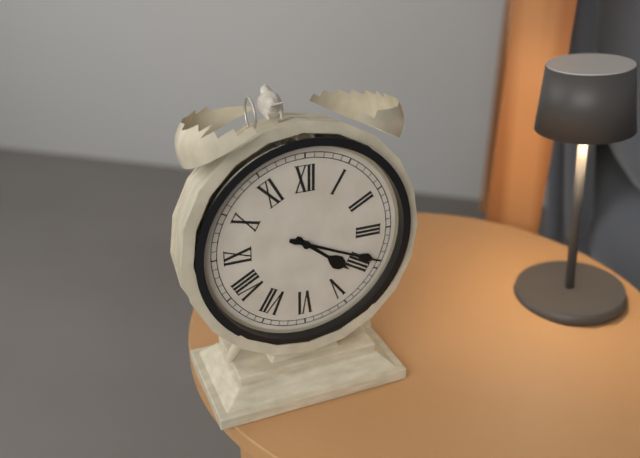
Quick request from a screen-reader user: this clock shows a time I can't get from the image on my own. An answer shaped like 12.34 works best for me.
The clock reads 4.19
